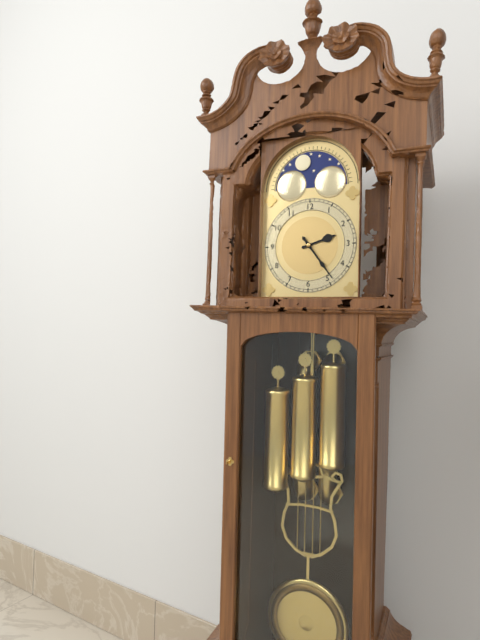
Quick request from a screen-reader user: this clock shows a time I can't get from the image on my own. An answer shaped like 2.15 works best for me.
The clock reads 2.24
